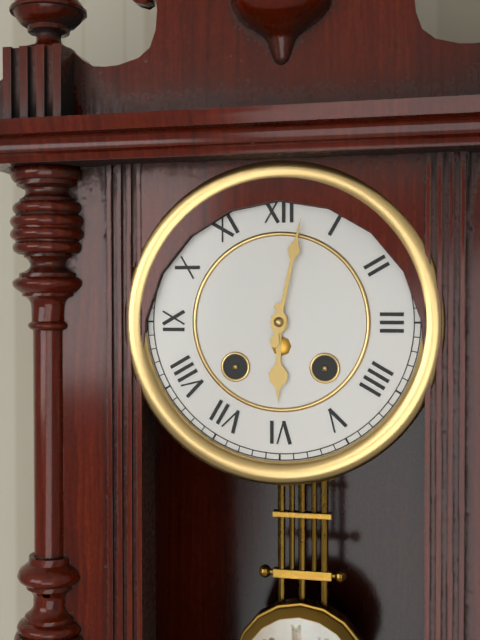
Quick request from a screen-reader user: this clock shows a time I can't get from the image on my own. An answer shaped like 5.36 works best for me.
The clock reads 6.02
